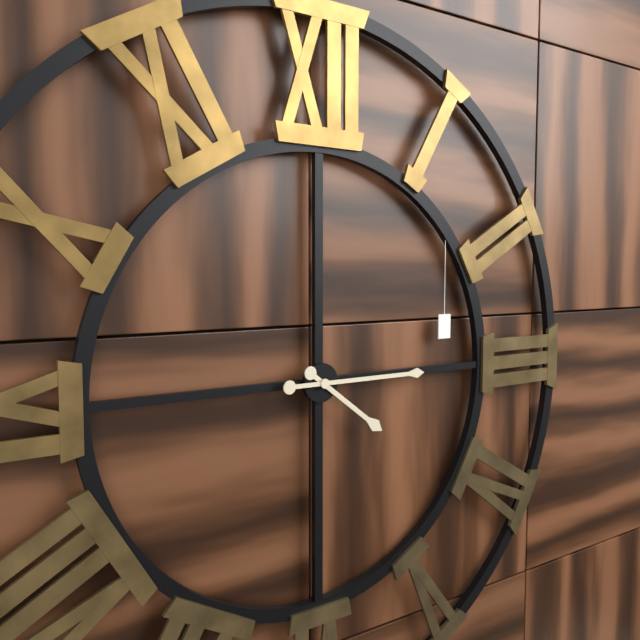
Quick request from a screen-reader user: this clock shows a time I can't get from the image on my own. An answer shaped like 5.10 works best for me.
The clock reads 4.15
